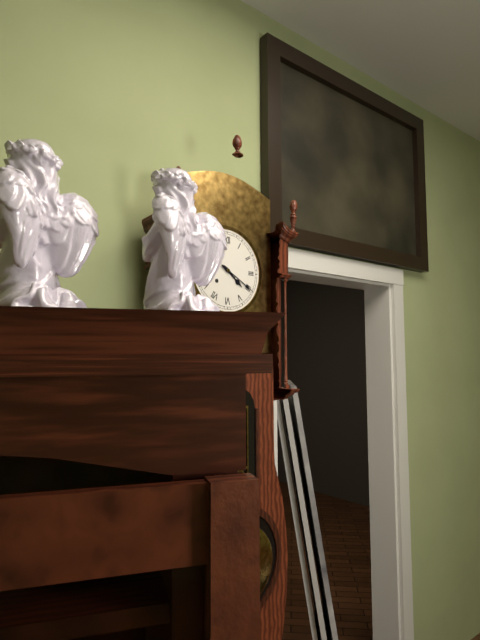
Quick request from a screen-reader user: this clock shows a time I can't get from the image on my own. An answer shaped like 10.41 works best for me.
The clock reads 4.20
